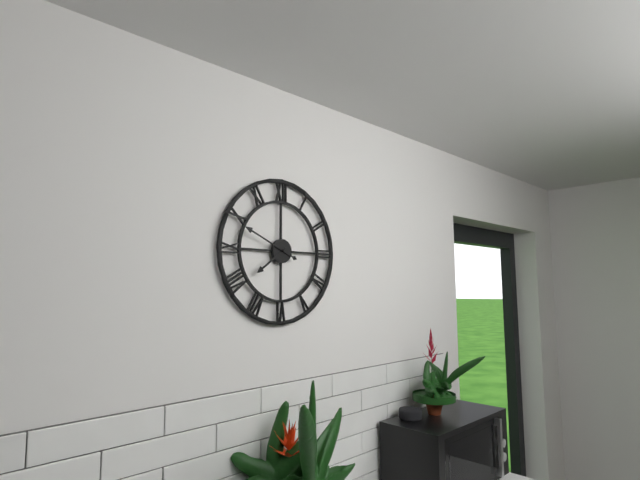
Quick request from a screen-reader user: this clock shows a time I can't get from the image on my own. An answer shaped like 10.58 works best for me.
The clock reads 7.49
